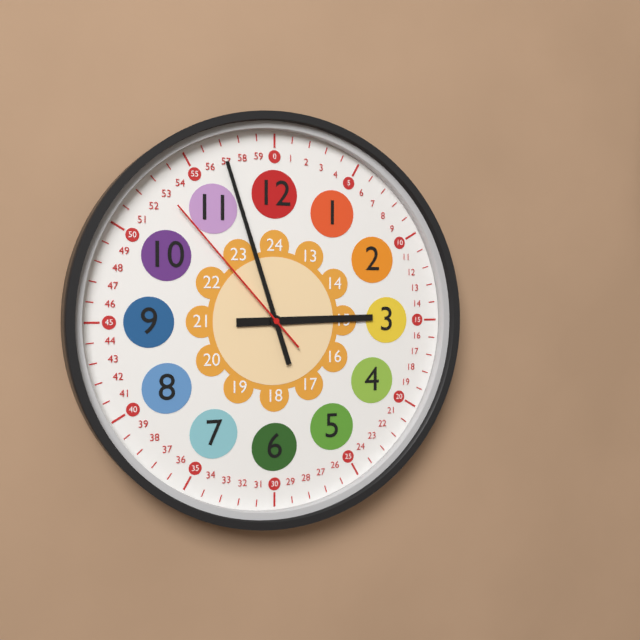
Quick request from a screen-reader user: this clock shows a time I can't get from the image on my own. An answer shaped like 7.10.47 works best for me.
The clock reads 2.57.53
